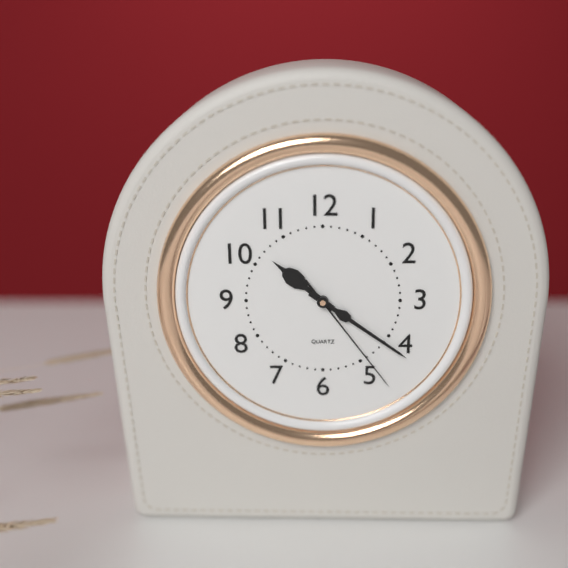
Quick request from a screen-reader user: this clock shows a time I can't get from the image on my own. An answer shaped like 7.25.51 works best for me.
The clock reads 10.21.24
